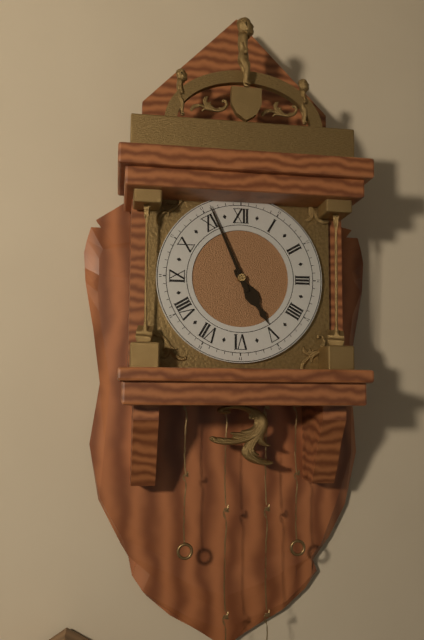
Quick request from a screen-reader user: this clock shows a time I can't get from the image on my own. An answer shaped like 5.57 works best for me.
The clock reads 4.56
